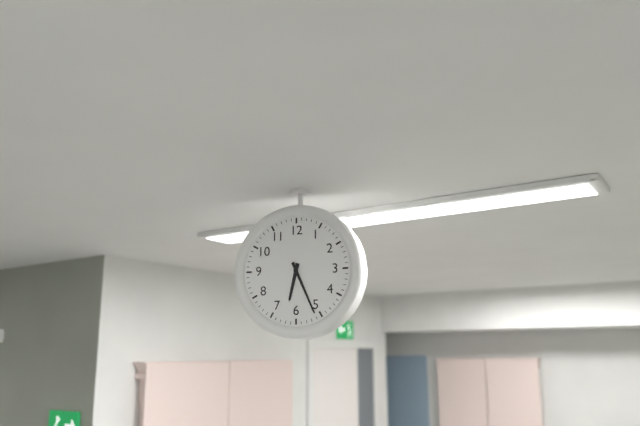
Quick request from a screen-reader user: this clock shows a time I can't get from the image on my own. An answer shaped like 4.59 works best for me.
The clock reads 6.26
